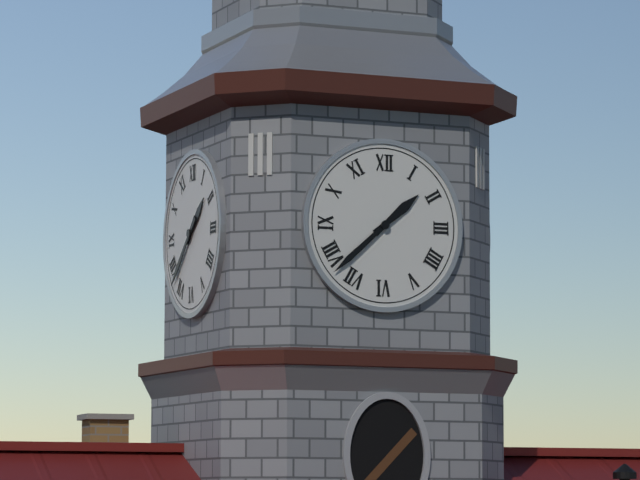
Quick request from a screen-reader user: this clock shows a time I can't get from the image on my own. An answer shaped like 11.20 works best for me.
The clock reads 1.38
